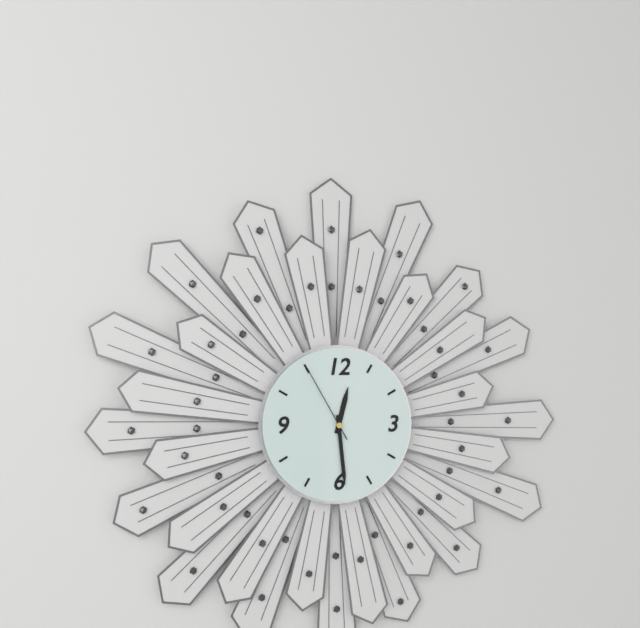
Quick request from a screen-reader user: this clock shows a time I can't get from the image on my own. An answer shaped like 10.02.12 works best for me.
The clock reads 12.29.55
